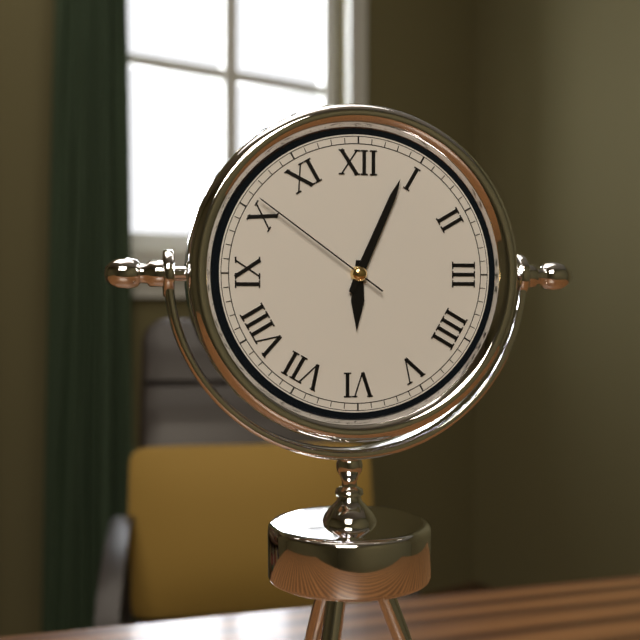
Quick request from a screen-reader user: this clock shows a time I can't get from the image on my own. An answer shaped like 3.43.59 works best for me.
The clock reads 6.04.51
